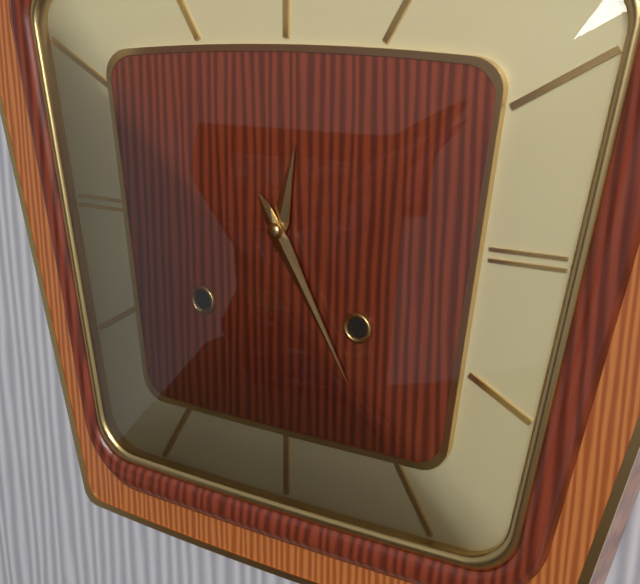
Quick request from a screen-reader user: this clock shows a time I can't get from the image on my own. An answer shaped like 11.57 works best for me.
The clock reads 12.25
